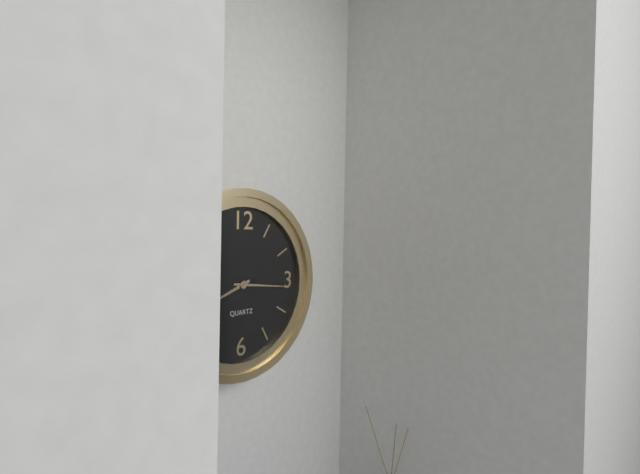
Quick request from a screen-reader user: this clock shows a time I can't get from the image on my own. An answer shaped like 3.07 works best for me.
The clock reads 8.16
